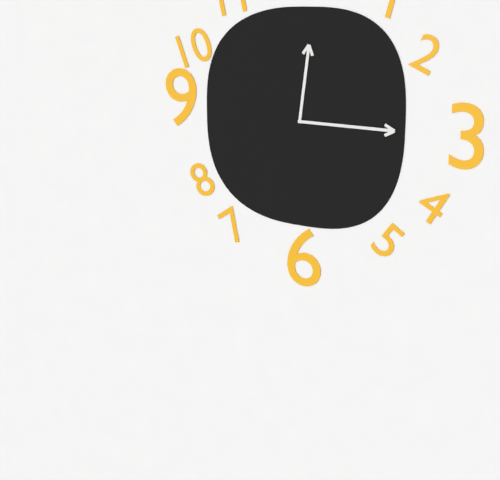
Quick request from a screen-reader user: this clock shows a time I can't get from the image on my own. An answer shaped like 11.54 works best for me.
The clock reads 12.15
